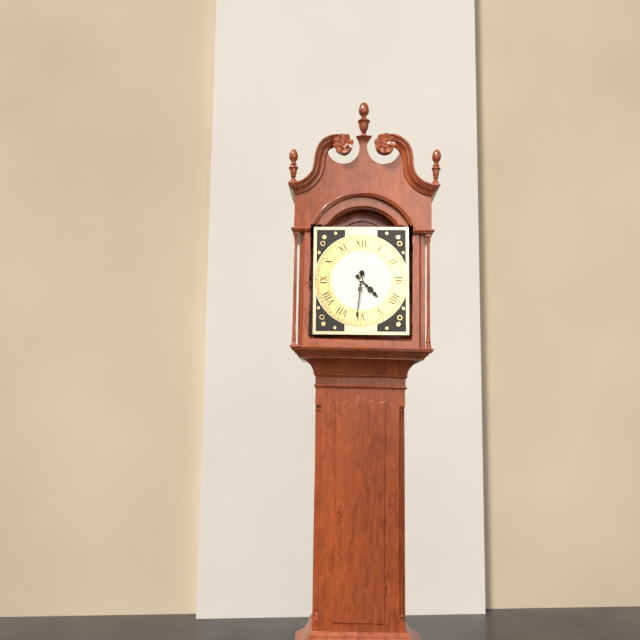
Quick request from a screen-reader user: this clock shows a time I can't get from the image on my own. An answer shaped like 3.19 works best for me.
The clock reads 4.31
